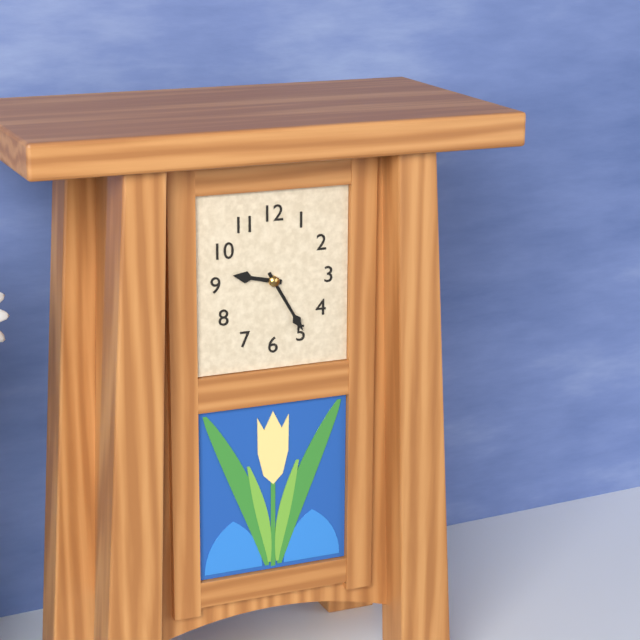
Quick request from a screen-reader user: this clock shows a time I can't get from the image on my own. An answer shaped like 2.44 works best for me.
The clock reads 9.25
